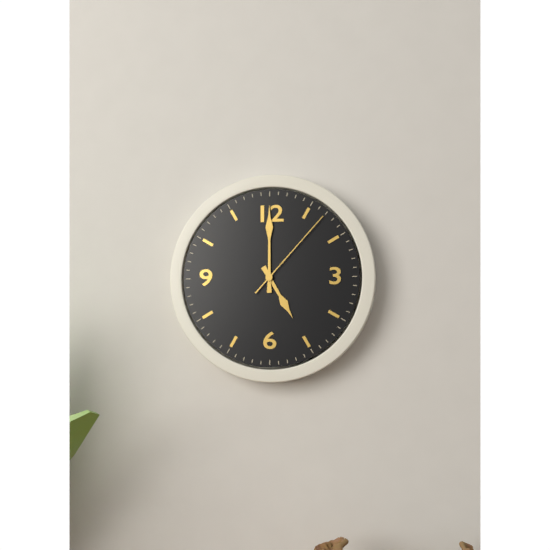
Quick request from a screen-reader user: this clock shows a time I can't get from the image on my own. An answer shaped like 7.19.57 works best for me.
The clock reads 5.00.07
